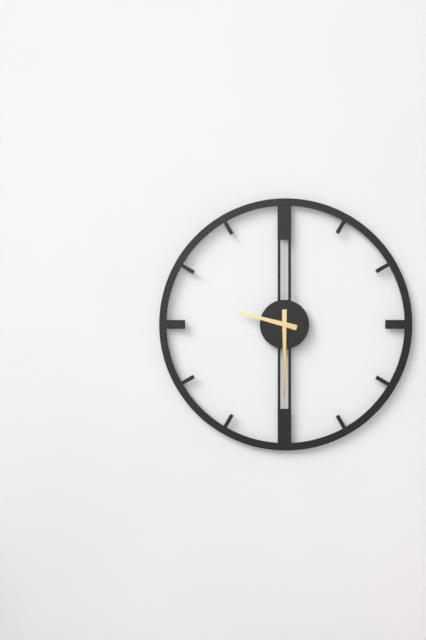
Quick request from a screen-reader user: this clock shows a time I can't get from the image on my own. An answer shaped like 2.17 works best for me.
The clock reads 9.30
